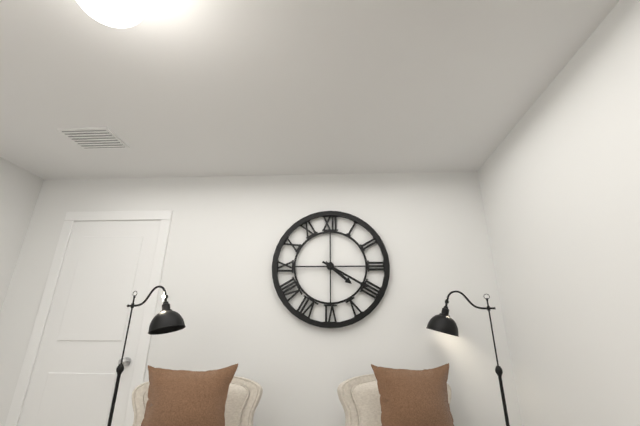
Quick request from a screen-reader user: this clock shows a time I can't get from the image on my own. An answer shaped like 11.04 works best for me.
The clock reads 4.20
